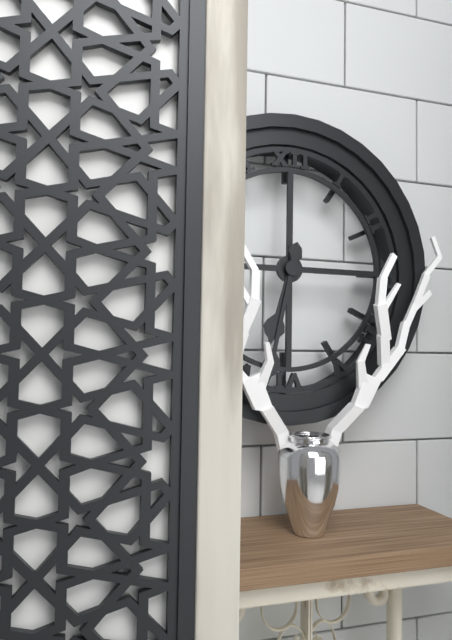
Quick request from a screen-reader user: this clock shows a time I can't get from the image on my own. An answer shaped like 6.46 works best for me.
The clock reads 6.32
